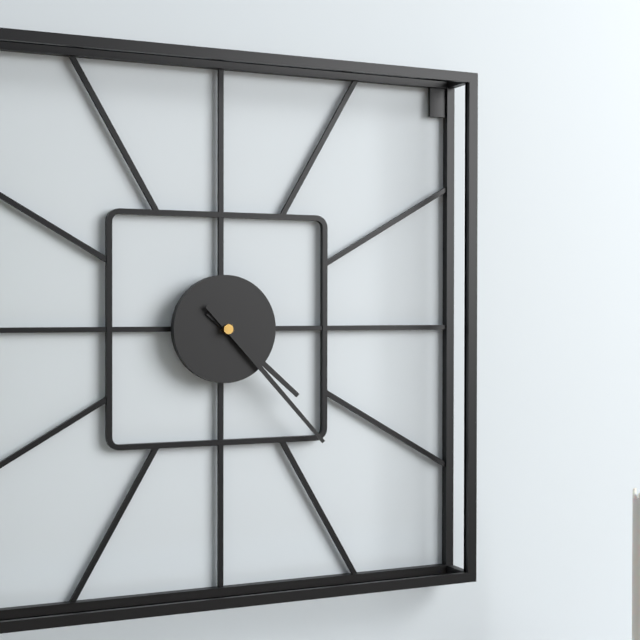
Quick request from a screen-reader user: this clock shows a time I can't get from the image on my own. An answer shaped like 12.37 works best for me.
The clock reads 4.23
